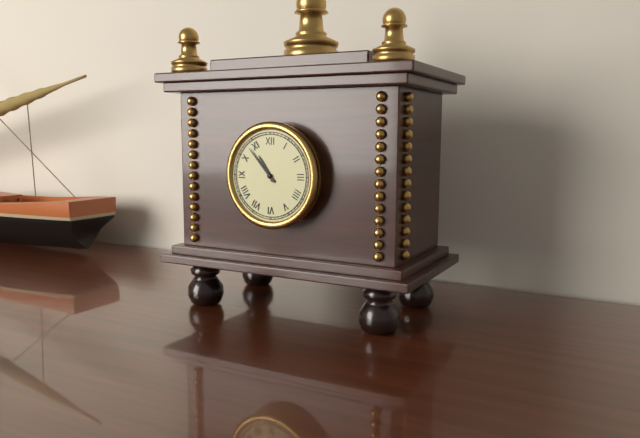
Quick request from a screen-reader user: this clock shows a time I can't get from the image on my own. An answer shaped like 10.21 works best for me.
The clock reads 10.53
